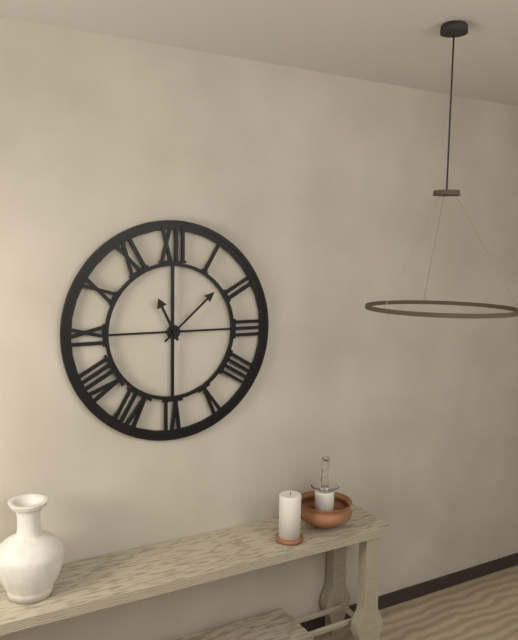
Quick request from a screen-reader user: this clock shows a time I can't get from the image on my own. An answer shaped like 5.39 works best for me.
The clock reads 11.08
